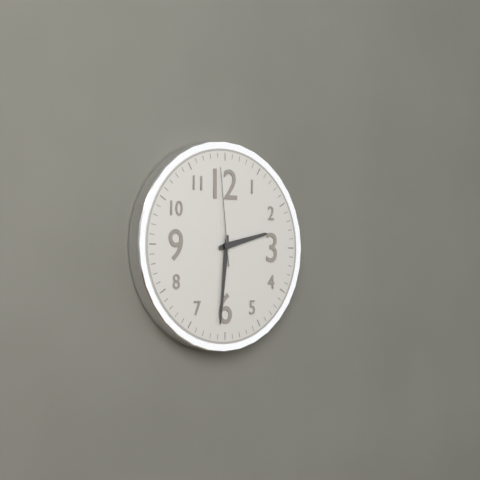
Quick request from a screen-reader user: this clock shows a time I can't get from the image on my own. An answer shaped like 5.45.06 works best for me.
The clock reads 2.31.59
